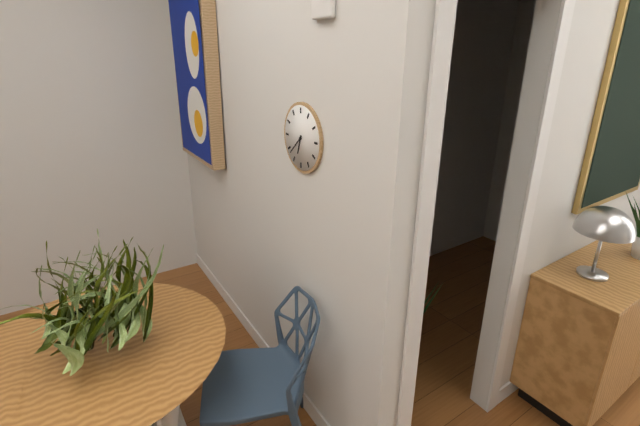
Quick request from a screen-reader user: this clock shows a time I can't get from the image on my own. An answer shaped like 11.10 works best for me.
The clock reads 6.38
